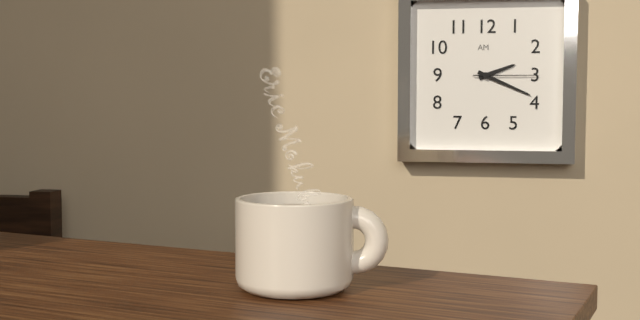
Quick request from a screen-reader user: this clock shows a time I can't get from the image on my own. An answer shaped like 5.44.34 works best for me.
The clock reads 2.19.15
